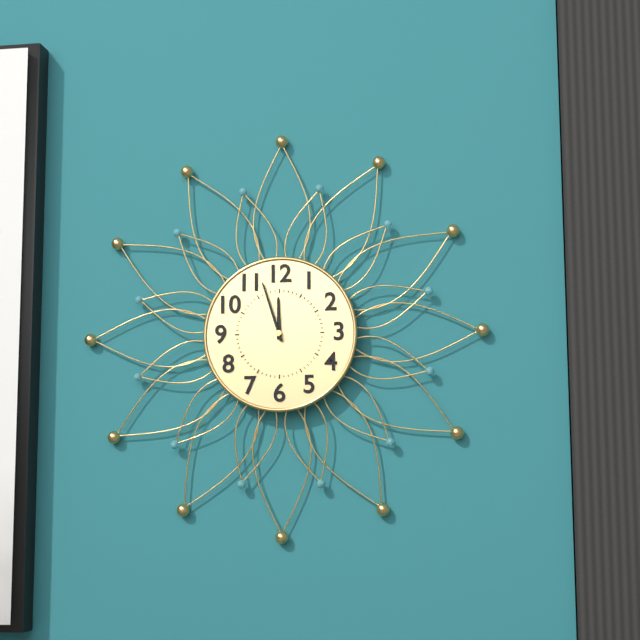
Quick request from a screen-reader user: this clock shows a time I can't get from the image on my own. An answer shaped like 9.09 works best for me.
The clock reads 11.57
